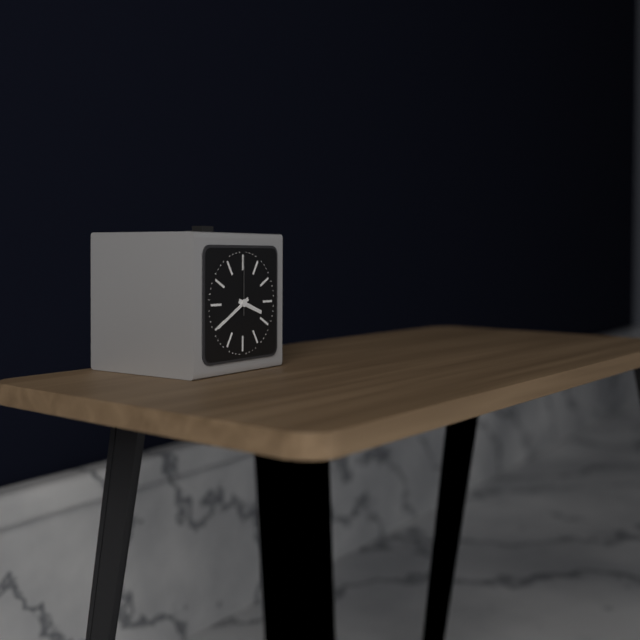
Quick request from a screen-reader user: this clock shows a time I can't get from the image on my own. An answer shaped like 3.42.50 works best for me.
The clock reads 3.40.00
